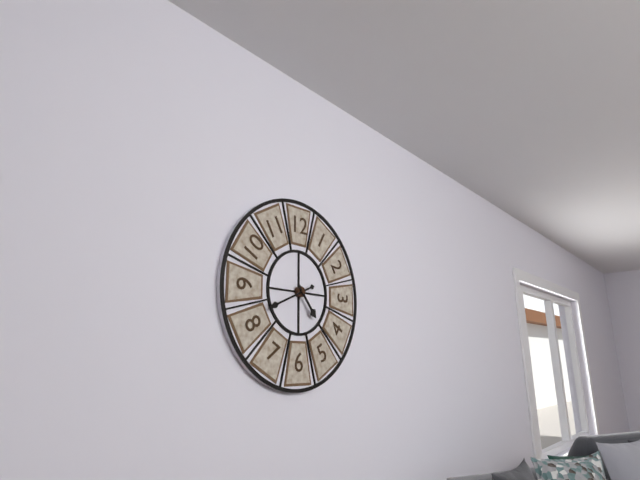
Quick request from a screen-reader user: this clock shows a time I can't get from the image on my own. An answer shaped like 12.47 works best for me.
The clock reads 4.41
